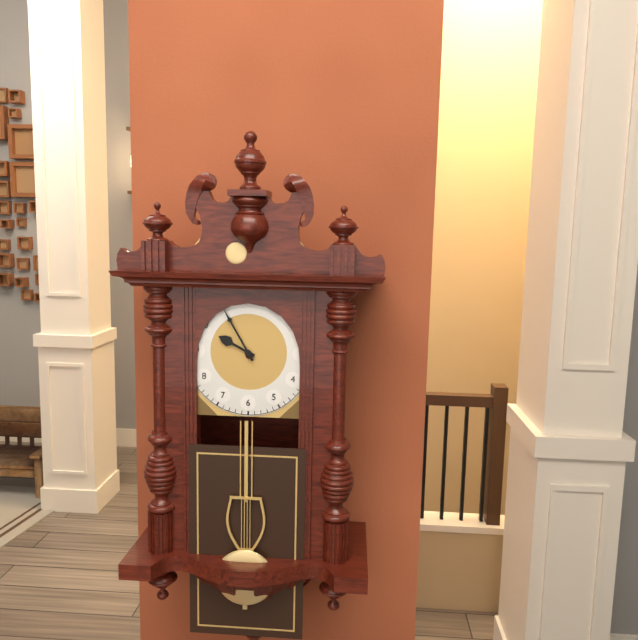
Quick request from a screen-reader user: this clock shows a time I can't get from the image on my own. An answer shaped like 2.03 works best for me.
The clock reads 9.55
